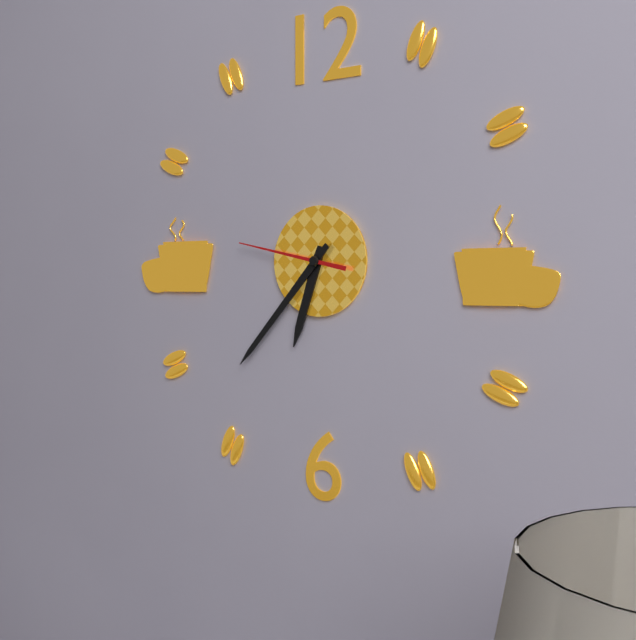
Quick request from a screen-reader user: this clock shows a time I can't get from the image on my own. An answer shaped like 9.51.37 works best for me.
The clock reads 6.37.47
